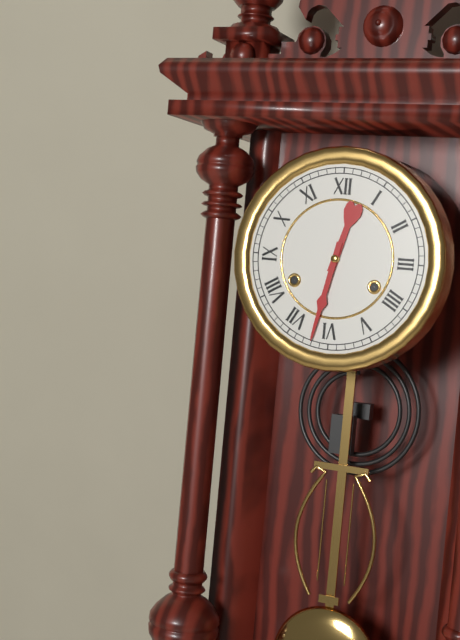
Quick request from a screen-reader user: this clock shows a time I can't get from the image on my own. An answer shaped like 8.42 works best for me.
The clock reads 12.32
